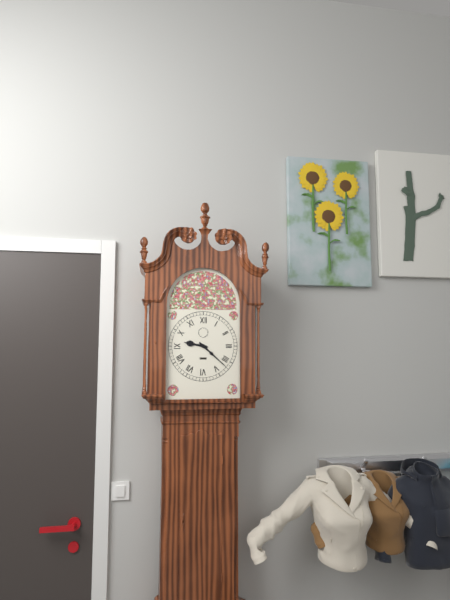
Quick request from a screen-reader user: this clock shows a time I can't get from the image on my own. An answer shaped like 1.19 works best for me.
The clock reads 9.22
